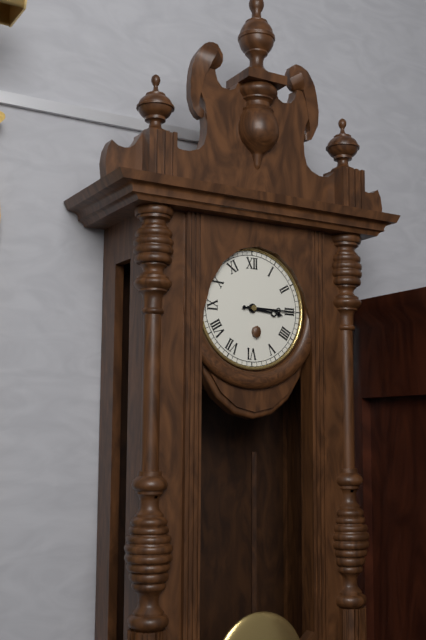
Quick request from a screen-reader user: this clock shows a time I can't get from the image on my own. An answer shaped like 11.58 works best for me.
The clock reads 3.15
